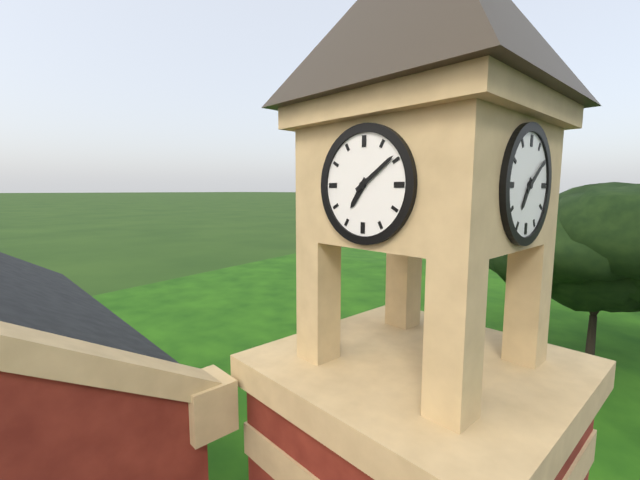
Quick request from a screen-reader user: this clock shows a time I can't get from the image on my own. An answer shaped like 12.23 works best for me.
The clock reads 7.09
